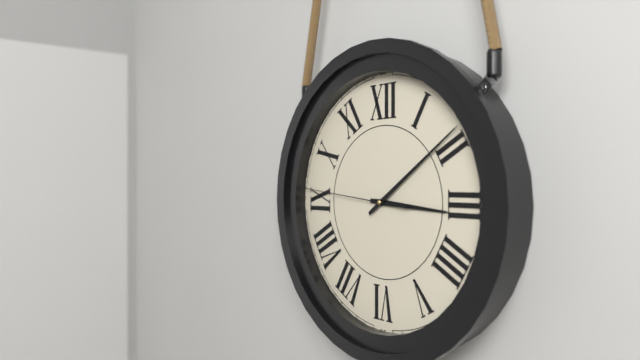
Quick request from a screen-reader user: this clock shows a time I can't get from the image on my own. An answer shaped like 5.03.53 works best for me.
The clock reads 3.09.46
